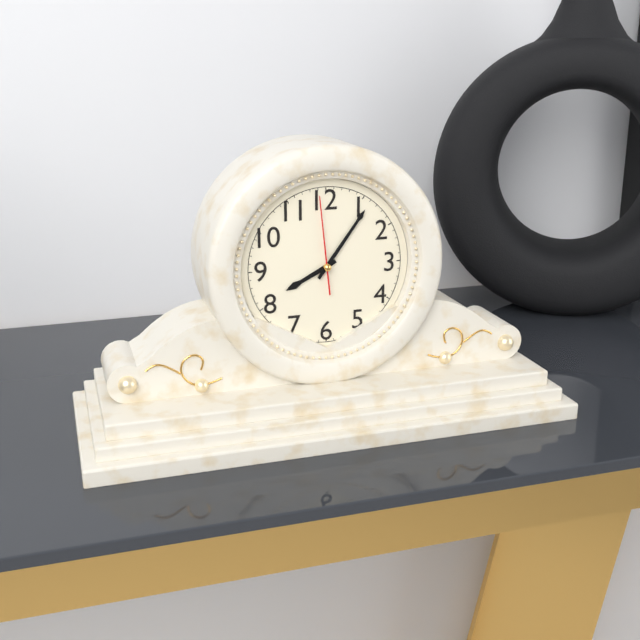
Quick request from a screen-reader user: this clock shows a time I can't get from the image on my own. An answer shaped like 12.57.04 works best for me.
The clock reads 8.06.59
